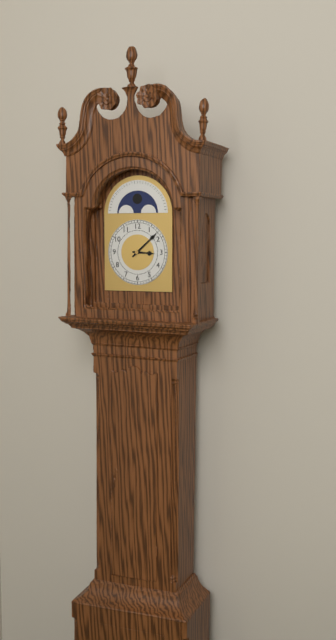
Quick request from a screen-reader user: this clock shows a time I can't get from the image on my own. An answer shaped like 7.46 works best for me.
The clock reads 3.08
